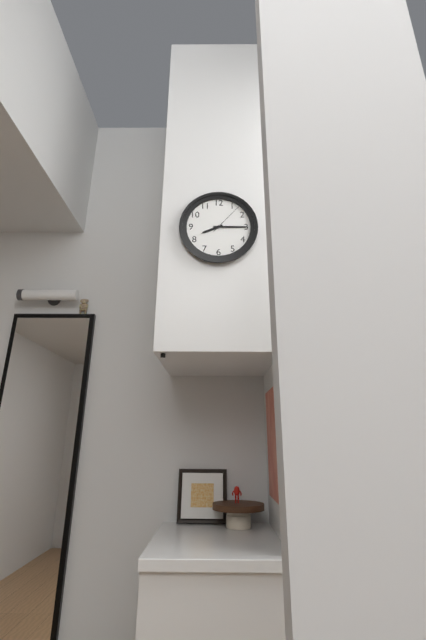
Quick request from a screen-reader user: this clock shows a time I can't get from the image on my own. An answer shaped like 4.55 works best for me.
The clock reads 8.15
